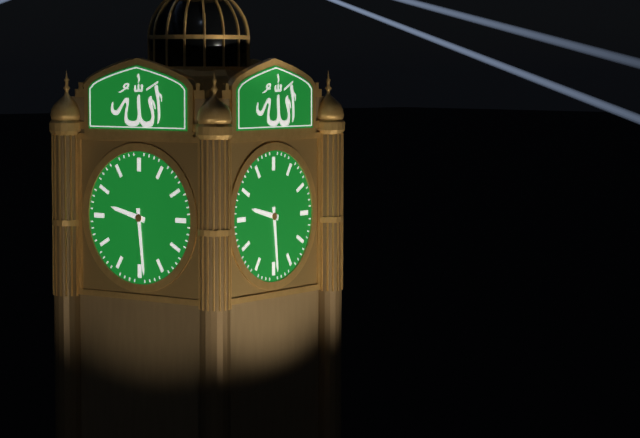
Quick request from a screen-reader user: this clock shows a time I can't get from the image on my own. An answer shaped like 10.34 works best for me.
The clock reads 9.29
